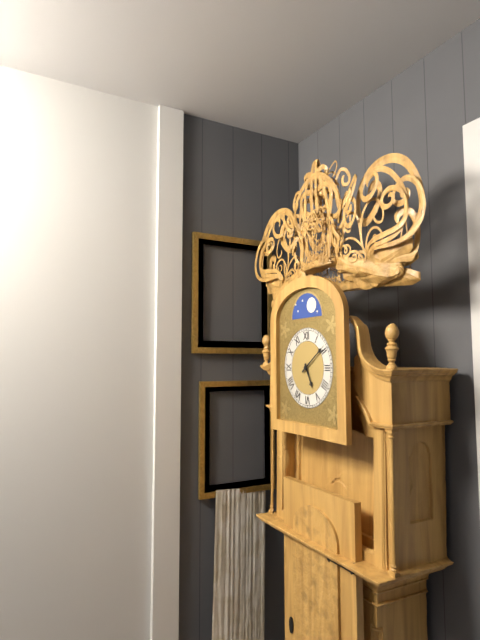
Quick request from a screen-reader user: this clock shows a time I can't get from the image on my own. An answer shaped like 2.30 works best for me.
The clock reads 5.09
